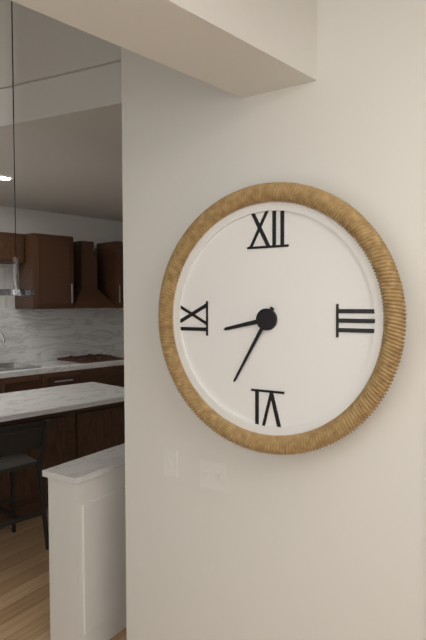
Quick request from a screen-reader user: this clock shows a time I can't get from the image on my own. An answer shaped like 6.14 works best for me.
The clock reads 8.35
